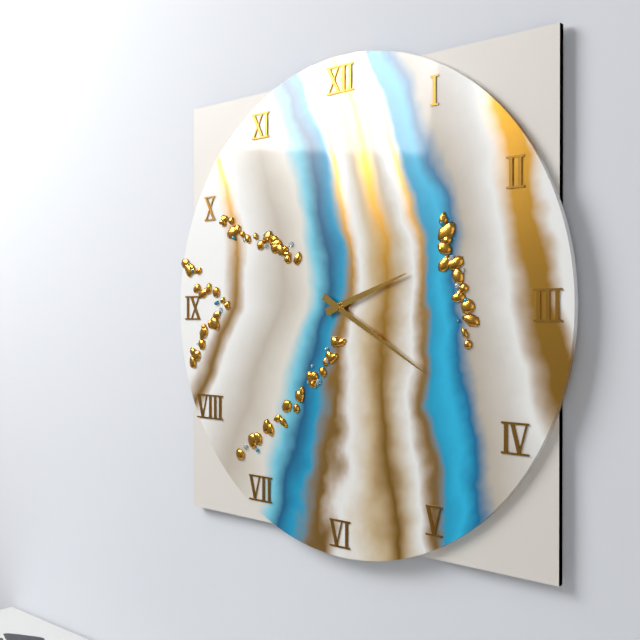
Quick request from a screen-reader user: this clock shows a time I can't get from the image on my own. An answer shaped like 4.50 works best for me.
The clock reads 2.20
